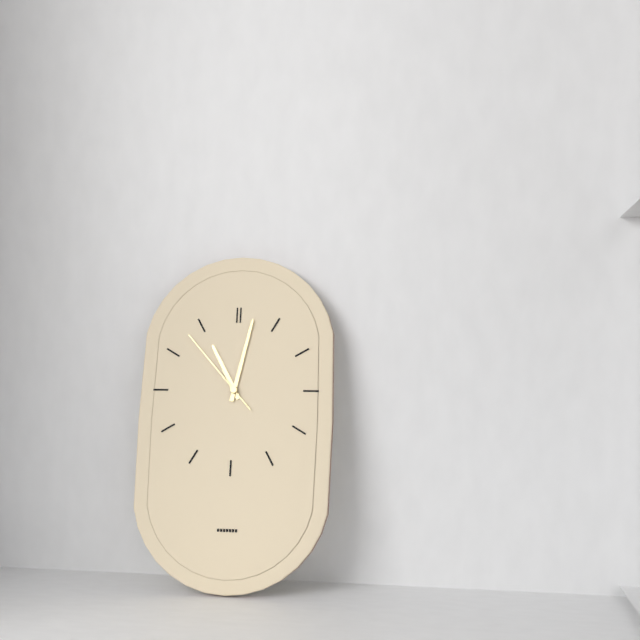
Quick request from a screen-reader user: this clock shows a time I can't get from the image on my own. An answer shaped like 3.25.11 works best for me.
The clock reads 11.02.53
